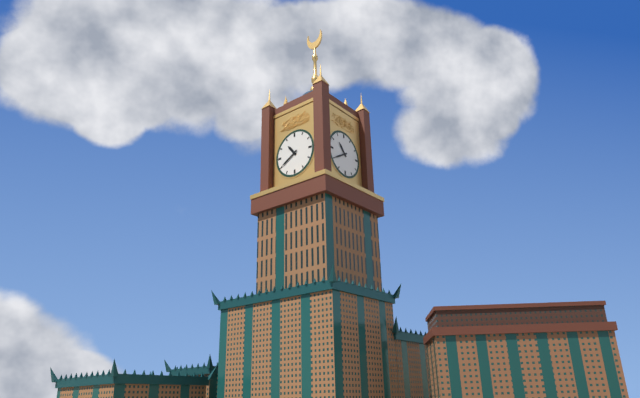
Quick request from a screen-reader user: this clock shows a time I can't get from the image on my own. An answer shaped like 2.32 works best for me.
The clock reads 10.40
